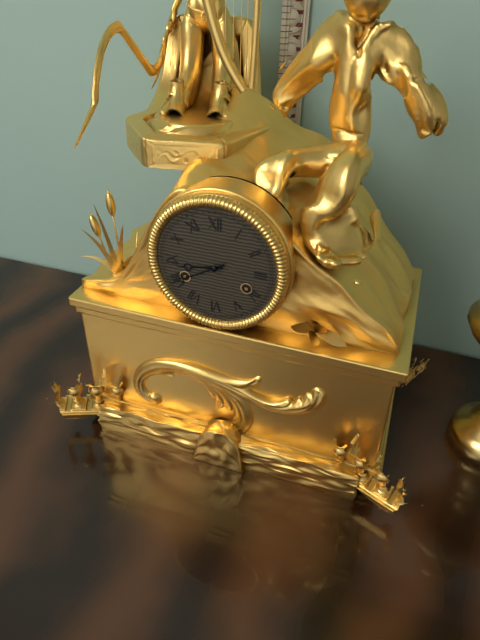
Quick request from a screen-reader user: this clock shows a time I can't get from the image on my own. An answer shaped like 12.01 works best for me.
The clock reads 8.40
